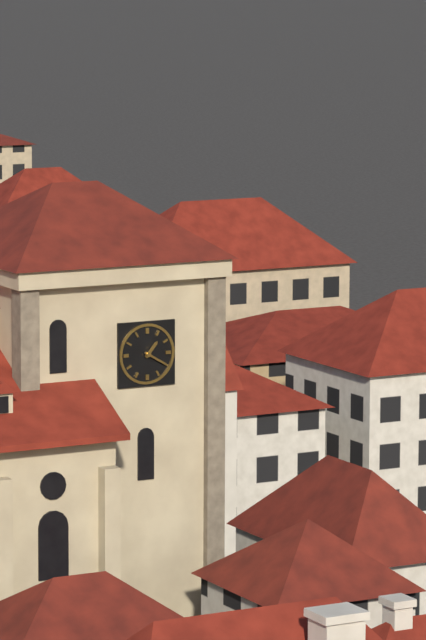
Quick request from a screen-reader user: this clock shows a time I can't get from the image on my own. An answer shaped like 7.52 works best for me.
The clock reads 1.20
